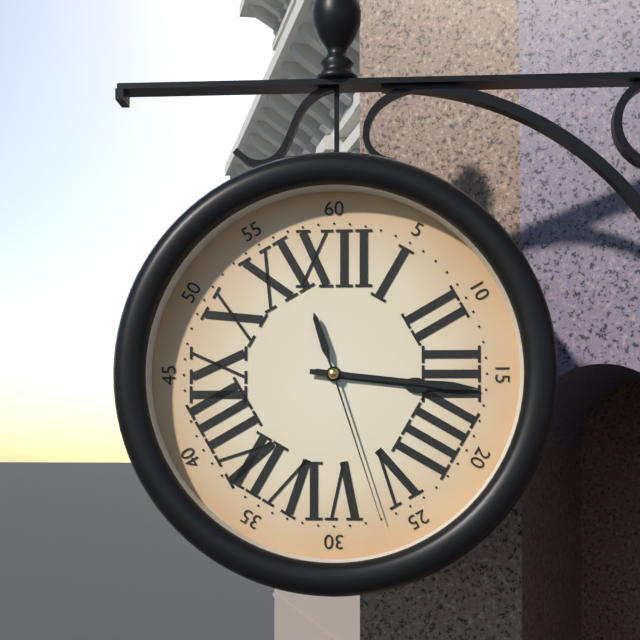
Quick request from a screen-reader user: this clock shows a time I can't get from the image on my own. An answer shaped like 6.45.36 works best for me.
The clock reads 3.16.27
